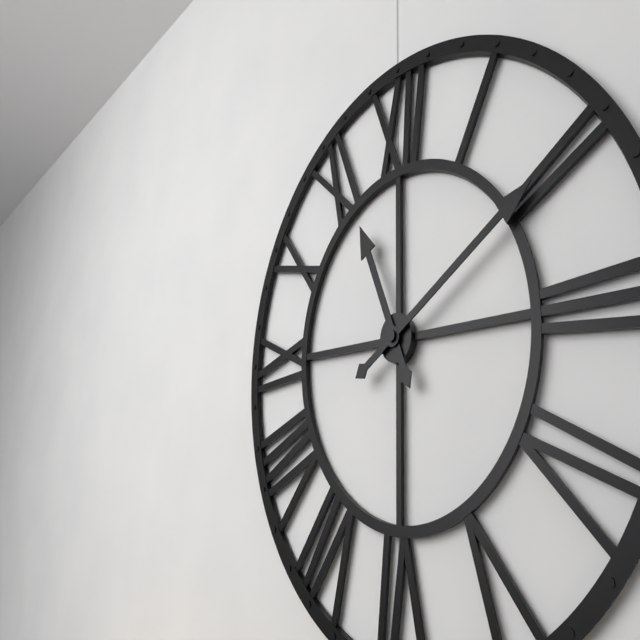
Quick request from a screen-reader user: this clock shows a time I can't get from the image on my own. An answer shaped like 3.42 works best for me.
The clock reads 11.10
